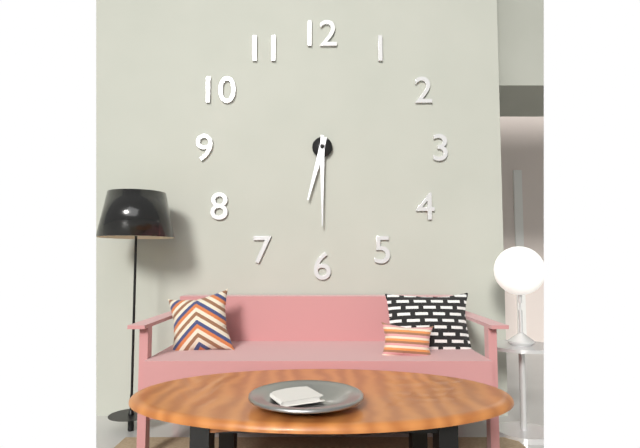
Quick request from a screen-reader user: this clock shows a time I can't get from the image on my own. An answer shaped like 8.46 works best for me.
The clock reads 6.30
